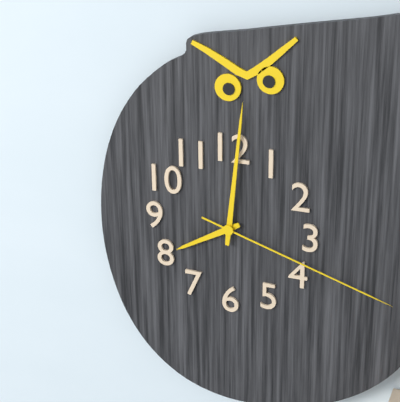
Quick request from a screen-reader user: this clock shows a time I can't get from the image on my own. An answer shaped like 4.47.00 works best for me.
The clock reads 8.01.18
